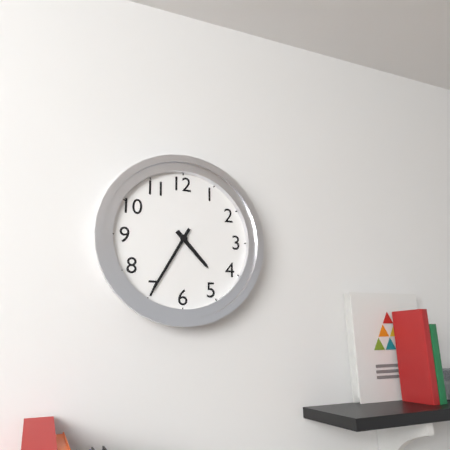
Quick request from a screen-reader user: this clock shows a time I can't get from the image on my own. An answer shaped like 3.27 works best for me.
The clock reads 4.35
